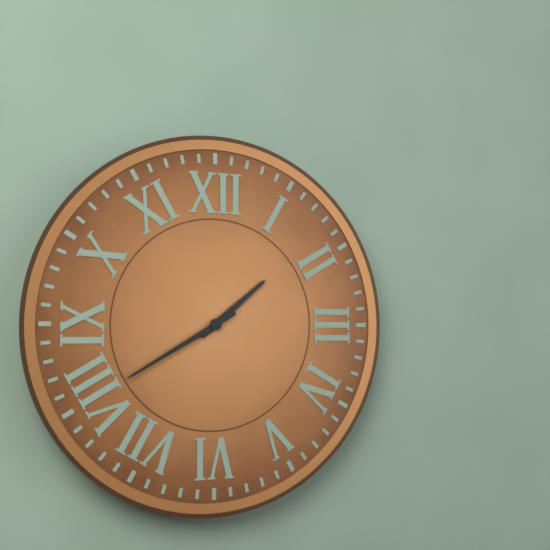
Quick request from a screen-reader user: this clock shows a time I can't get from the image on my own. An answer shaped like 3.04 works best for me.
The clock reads 1.40
